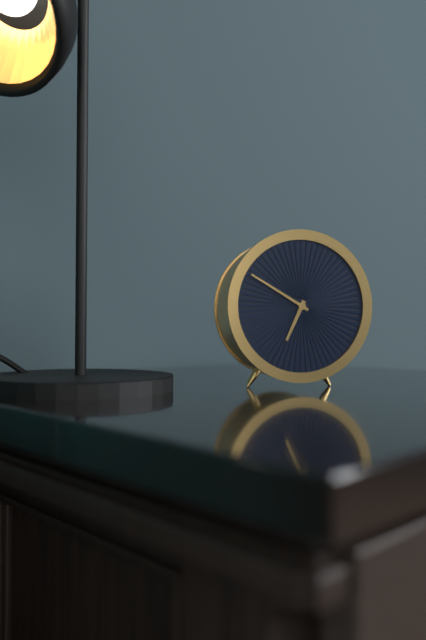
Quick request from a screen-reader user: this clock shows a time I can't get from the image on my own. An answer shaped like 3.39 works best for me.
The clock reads 6.50
